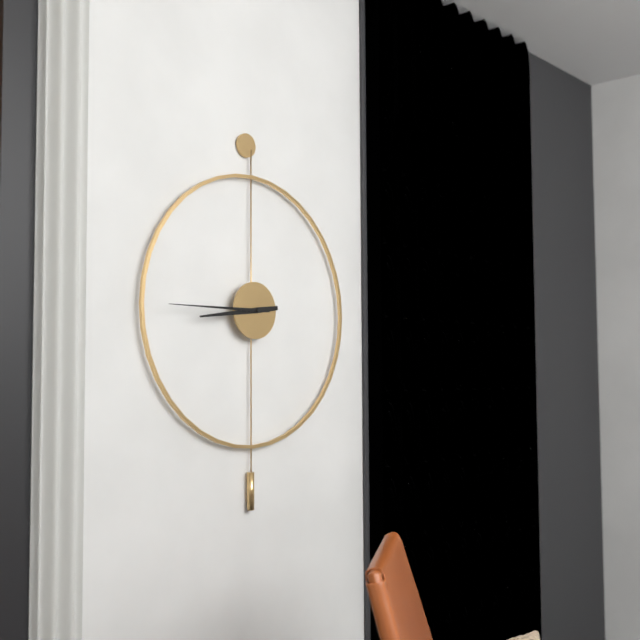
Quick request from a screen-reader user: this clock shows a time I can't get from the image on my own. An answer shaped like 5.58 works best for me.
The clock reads 8.45
